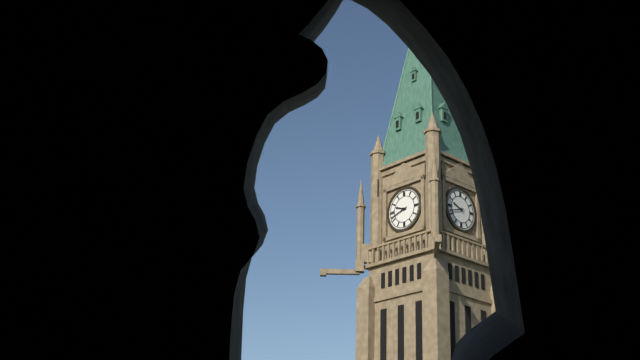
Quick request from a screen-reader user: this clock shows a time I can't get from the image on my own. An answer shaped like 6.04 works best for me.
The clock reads 9.42
